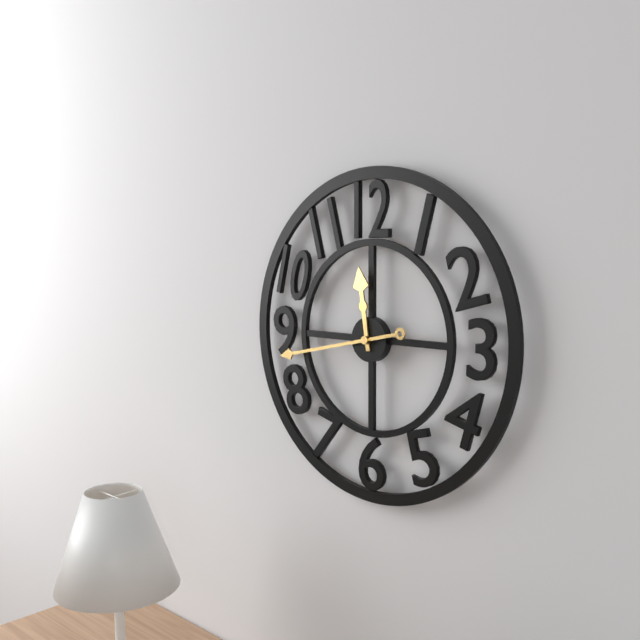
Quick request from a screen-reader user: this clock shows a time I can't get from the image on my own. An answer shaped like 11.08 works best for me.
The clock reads 11.43
